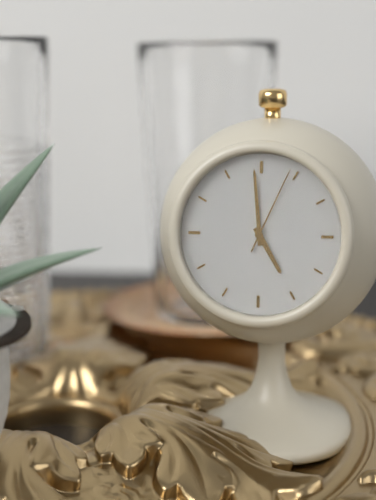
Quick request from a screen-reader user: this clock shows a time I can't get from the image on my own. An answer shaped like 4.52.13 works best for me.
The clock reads 4.59.04
